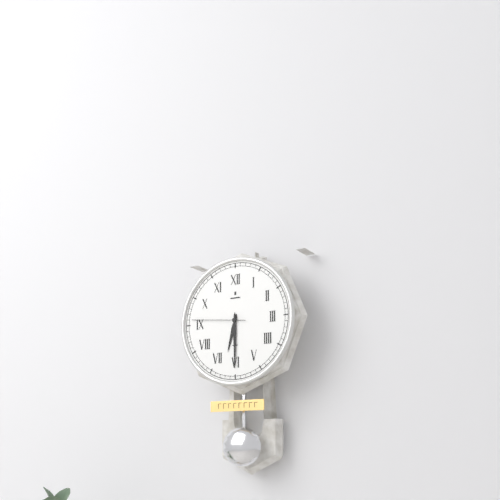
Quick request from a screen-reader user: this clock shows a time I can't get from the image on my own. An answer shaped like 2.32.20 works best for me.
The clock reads 6.30.46
